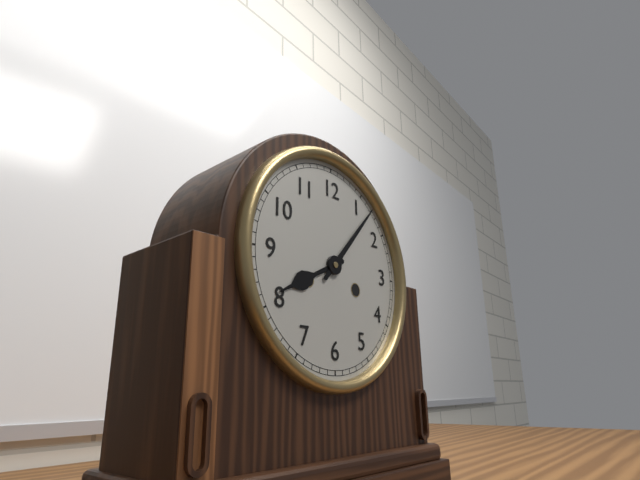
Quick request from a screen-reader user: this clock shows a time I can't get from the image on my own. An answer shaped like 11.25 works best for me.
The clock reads 8.07
